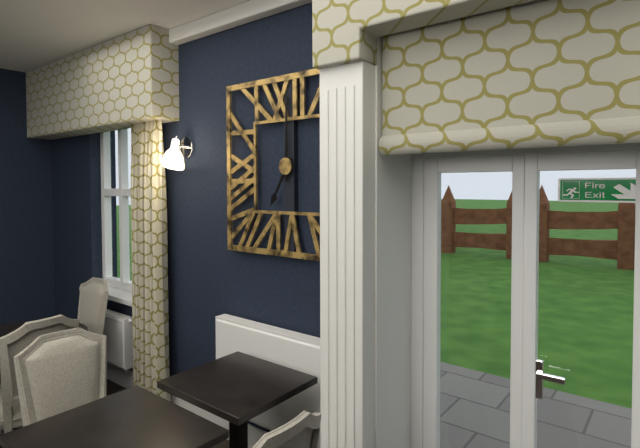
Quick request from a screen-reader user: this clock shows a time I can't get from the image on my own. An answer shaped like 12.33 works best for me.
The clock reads 7.00
